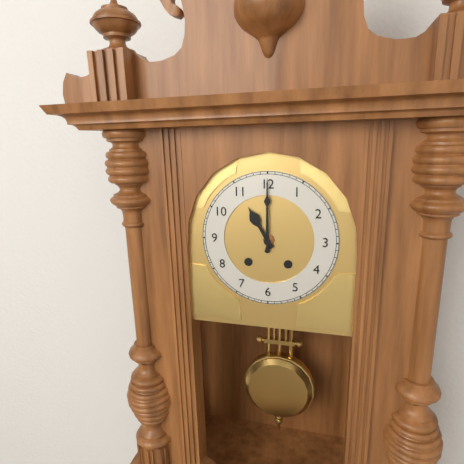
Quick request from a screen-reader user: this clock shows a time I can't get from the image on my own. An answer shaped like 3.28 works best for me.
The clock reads 11.00
